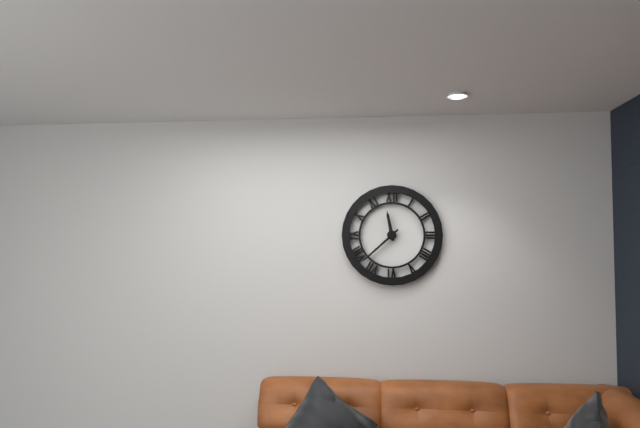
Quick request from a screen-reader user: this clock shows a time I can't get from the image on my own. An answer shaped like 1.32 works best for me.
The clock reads 11.38
